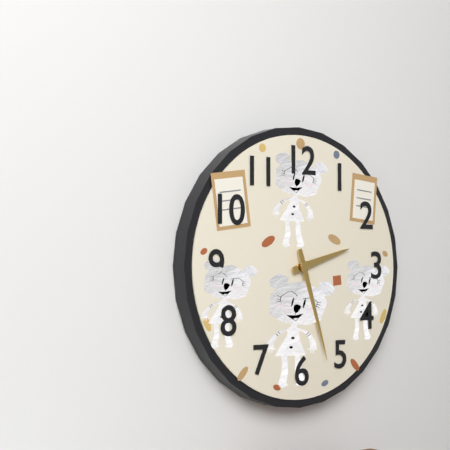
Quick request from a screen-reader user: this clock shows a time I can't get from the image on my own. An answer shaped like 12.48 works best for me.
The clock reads 2.27
